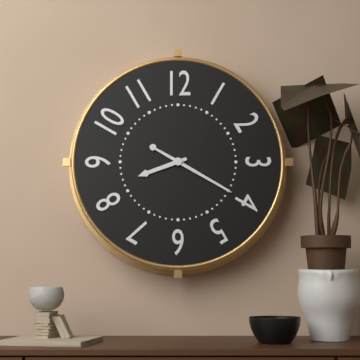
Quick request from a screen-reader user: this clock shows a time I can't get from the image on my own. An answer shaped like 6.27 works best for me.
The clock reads 8.20
